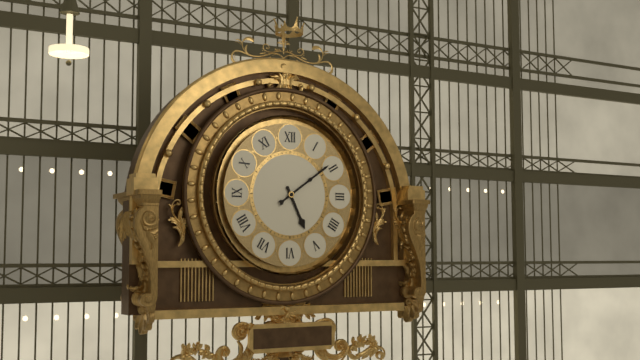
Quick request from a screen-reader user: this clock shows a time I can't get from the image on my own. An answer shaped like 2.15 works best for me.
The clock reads 5.09
